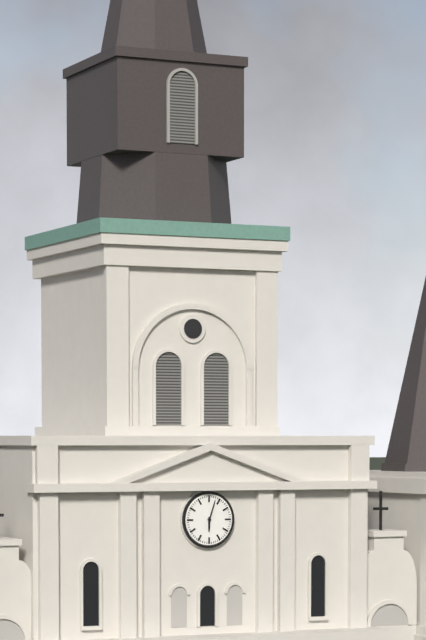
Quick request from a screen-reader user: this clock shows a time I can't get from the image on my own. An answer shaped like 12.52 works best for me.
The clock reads 6.03
